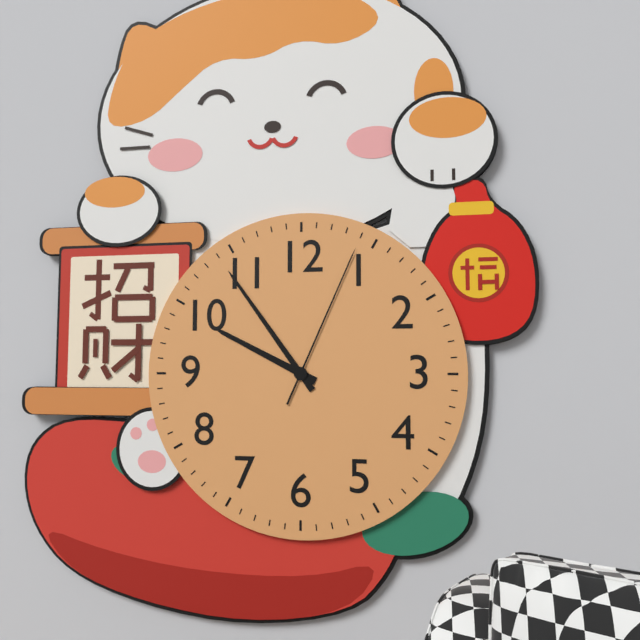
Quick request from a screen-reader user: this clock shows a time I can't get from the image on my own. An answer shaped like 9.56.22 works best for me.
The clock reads 9.54.04
